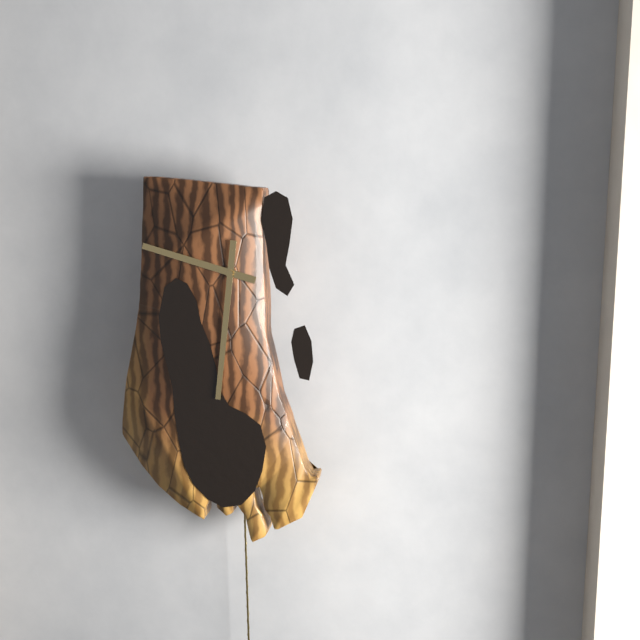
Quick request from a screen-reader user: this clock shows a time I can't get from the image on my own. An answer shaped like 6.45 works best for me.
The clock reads 9.31
